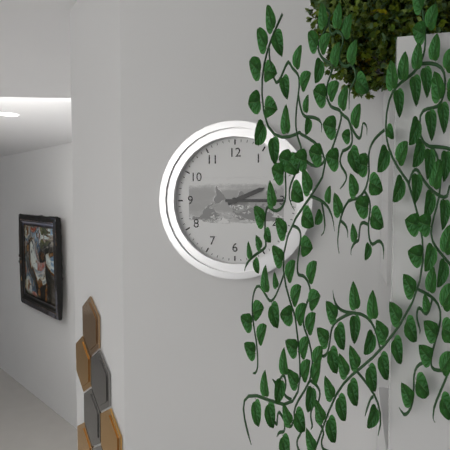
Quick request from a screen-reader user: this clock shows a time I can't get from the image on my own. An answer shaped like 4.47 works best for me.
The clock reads 2.15
